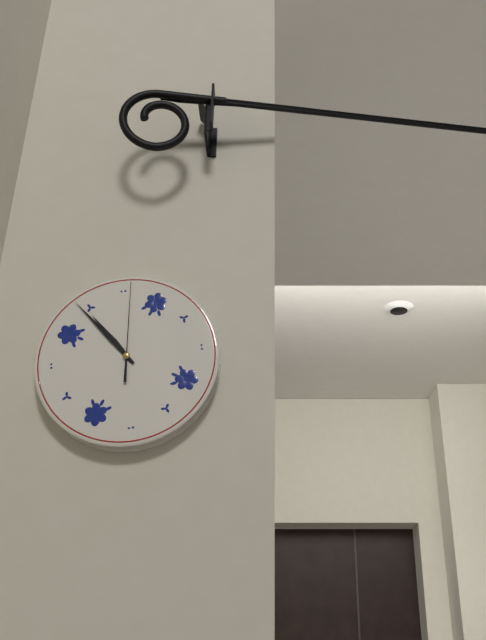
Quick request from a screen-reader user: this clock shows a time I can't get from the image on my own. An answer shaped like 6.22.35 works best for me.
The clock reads 10.54.01
